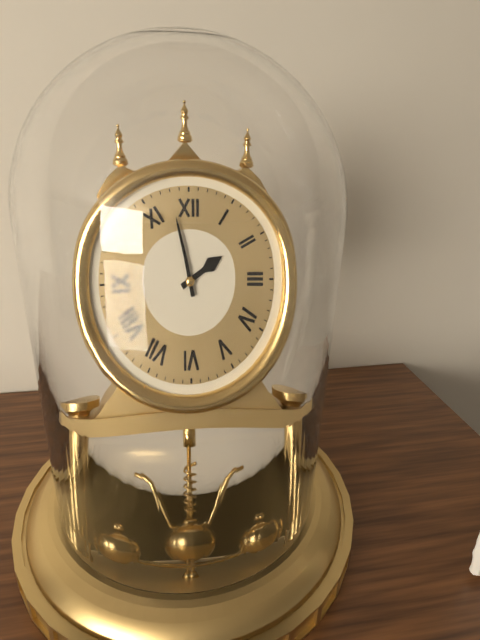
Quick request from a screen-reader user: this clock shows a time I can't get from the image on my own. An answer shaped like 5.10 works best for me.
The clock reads 1.58
